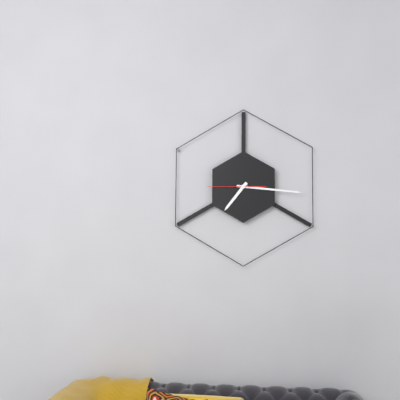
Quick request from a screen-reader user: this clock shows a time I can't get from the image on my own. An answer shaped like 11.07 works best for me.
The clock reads 7.16
